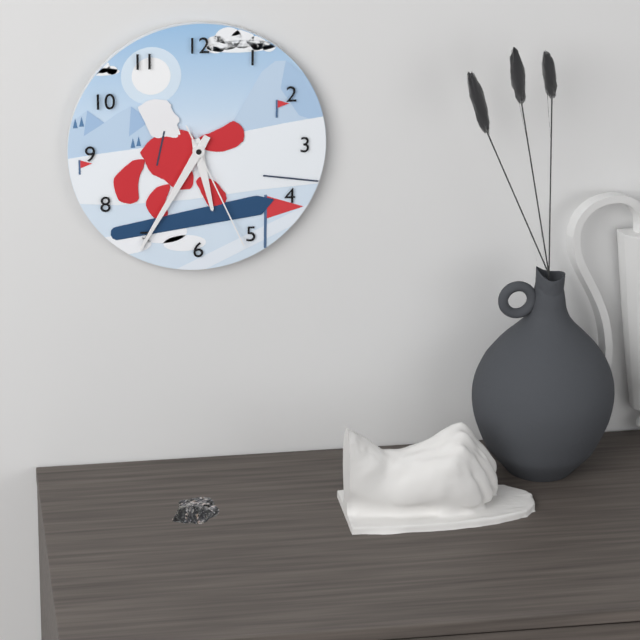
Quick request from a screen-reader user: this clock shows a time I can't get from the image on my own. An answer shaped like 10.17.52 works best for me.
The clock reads 5.35.26
